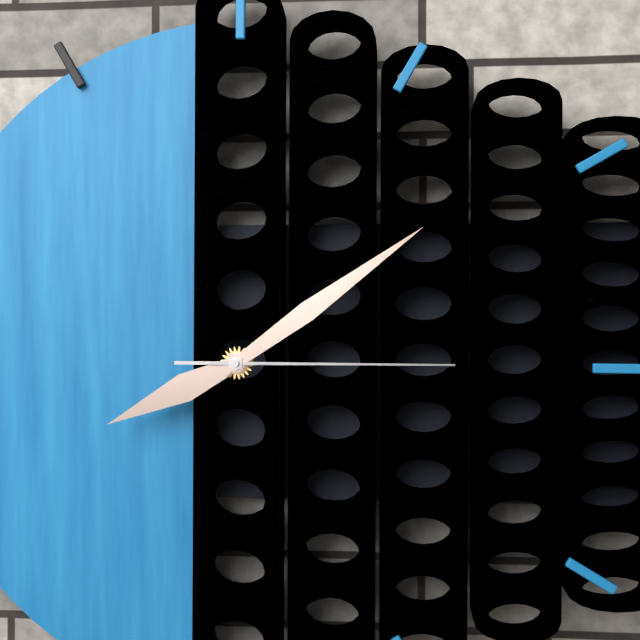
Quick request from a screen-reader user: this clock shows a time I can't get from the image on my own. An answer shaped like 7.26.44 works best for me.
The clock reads 8.09.15
